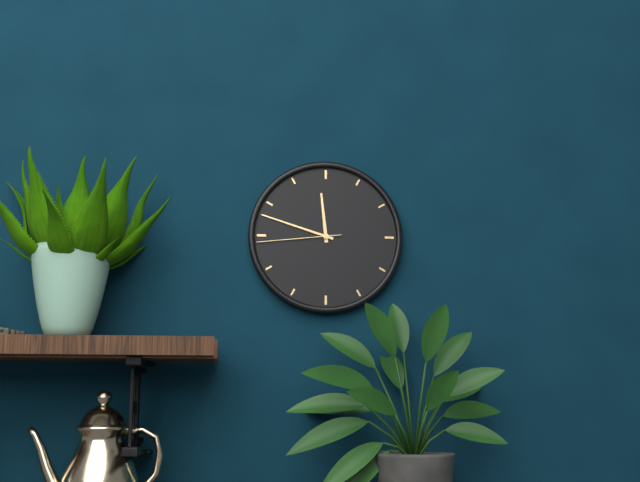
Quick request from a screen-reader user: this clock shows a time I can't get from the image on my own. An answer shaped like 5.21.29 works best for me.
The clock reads 11.48.44
